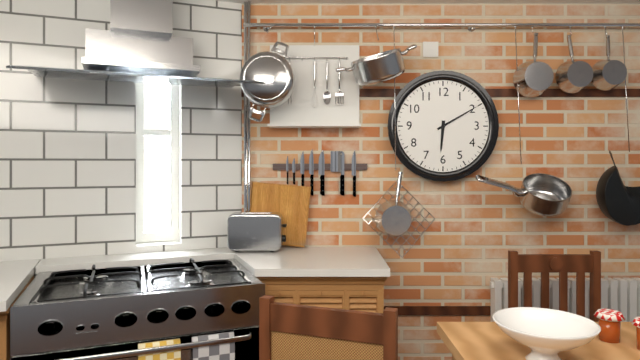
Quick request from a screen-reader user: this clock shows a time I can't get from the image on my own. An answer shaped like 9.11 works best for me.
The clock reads 6.10
